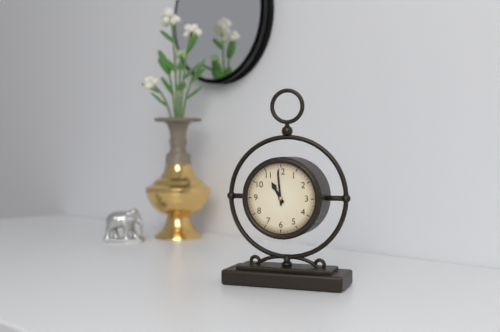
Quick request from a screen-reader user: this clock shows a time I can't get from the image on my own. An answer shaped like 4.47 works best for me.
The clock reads 10.59
